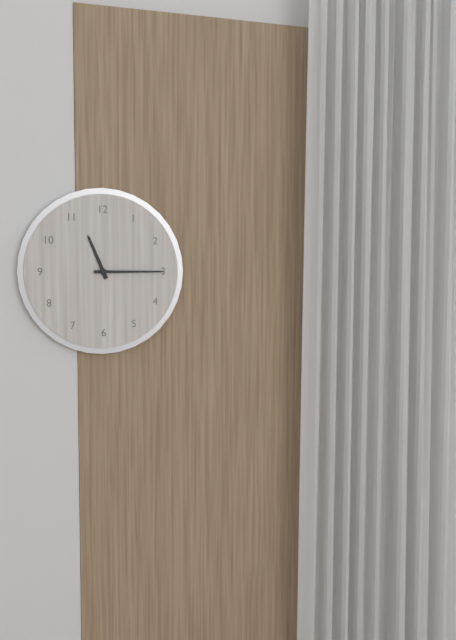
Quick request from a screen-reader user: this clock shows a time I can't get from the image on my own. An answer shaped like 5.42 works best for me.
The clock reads 11.15
